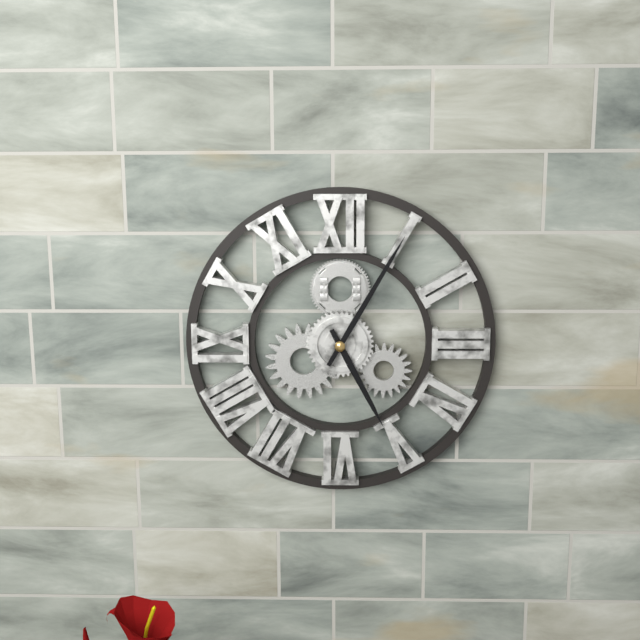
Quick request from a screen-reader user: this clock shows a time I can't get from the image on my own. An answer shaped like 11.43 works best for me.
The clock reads 5.05
